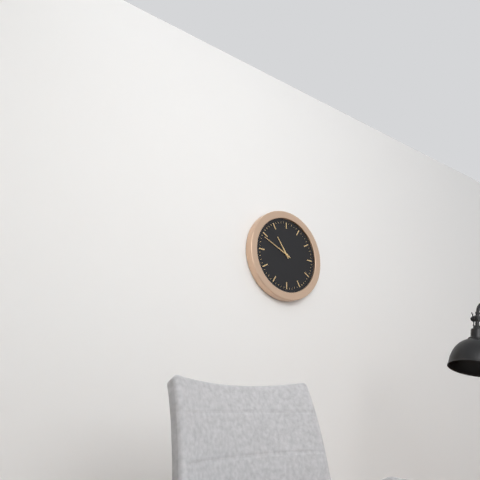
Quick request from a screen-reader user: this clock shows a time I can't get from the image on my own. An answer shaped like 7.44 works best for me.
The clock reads 10.49
